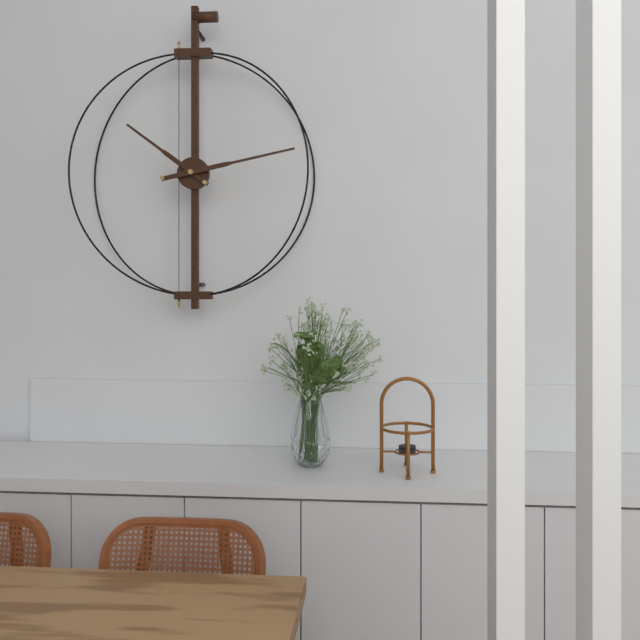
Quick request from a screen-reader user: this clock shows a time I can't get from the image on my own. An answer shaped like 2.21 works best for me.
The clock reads 10.13
